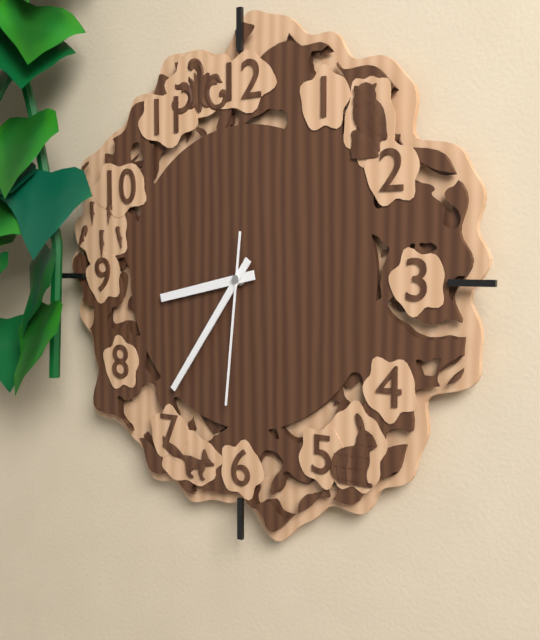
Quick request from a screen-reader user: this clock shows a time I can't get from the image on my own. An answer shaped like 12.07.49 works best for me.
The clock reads 8.36.31
